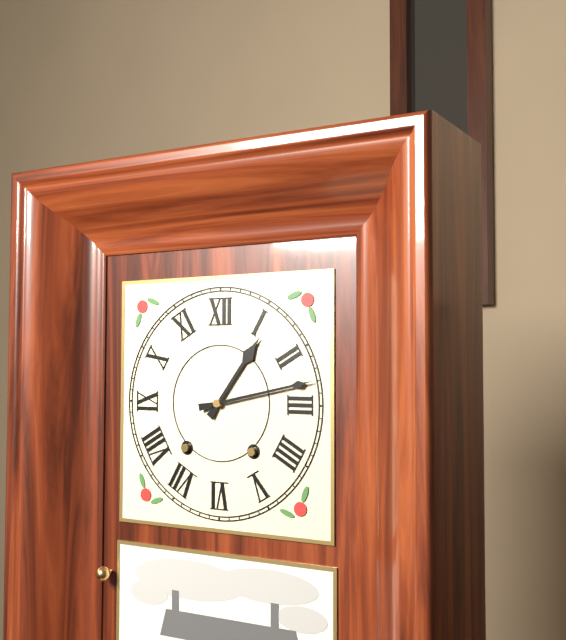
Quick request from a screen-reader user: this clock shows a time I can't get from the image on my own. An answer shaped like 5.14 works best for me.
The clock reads 1.13
